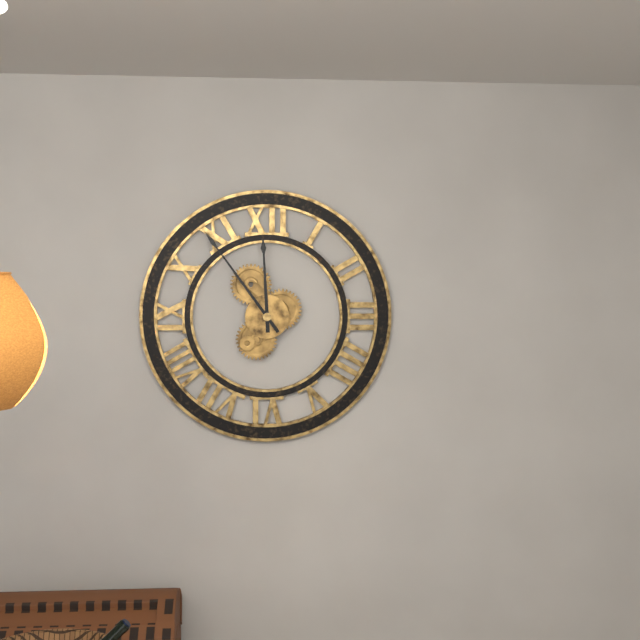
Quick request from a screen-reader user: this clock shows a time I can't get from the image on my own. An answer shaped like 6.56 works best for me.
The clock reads 11.54
